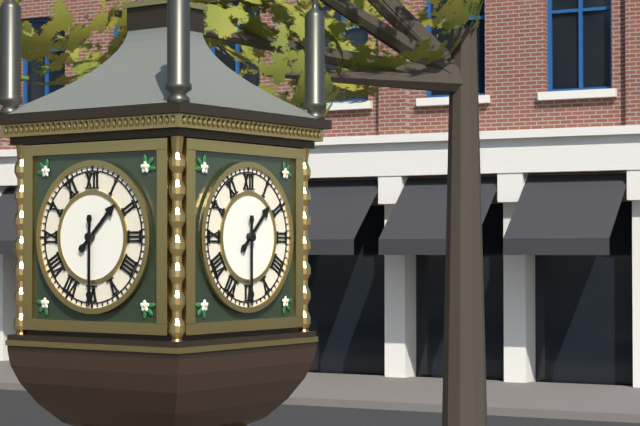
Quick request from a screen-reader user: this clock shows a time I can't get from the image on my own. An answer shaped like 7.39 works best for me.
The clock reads 1.30
